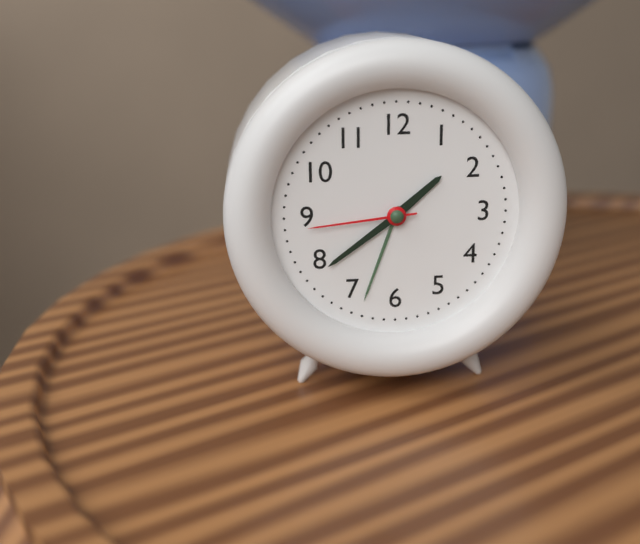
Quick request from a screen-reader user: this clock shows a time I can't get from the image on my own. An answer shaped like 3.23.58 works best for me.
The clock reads 1.39.44
